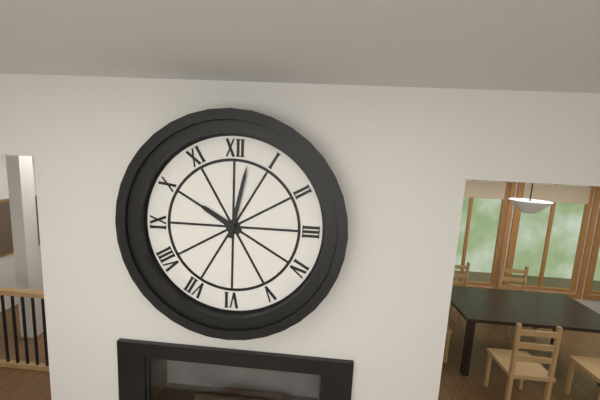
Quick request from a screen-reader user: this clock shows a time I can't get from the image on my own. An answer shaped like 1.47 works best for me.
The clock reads 10.02
